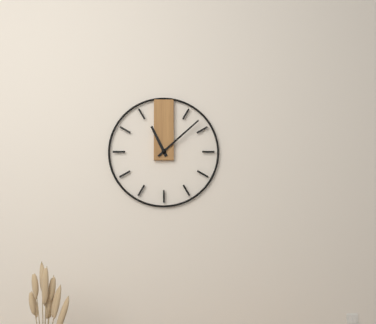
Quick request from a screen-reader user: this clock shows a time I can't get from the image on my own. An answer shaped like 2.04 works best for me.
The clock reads 11.08
